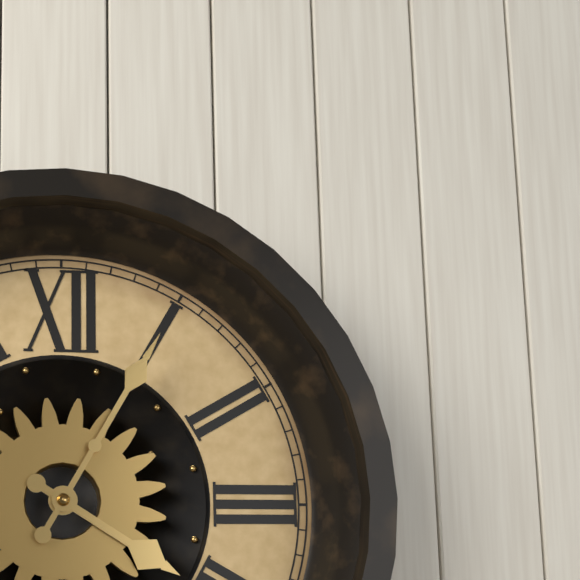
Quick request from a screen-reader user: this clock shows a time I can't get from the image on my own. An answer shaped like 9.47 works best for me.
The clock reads 4.05
